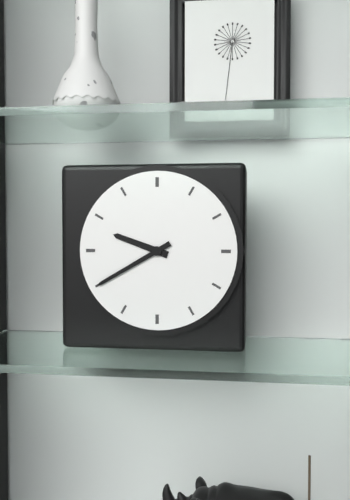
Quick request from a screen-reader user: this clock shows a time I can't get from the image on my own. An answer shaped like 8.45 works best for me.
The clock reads 9.40
